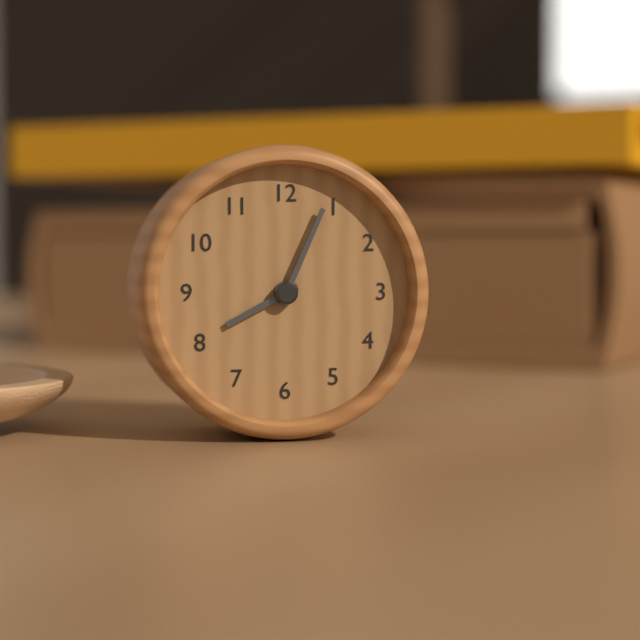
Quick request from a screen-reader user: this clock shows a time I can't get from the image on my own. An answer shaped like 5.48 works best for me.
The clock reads 8.04
